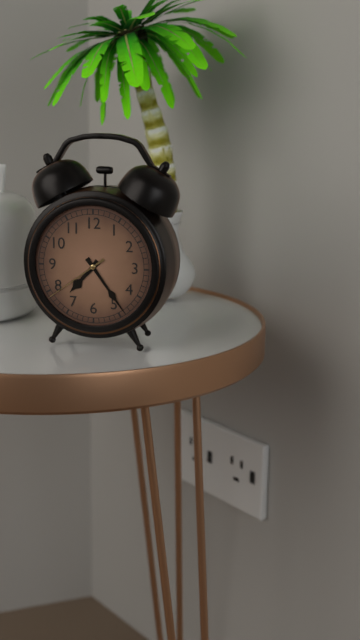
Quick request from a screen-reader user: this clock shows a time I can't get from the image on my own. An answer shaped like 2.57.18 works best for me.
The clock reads 7.24.39
